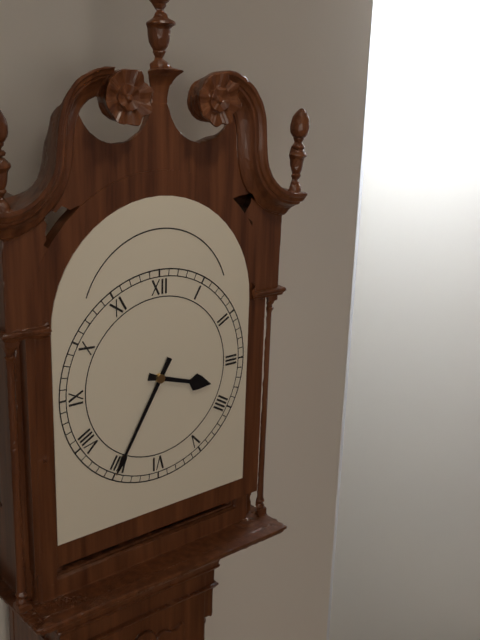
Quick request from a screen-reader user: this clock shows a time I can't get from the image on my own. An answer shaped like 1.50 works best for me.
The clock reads 3.35
